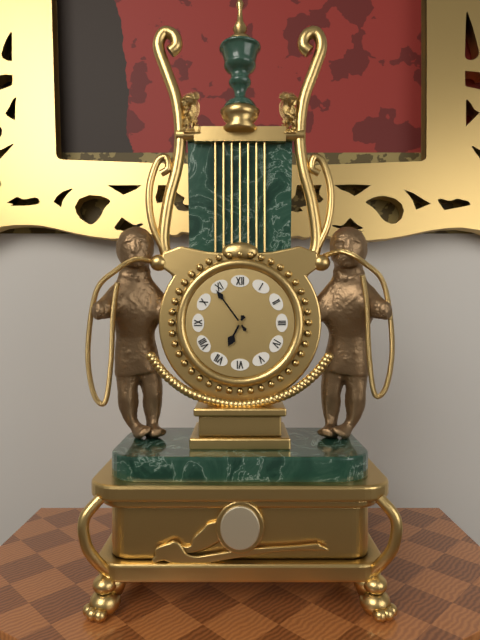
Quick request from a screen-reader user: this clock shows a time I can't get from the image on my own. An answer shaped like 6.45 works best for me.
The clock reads 6.54
